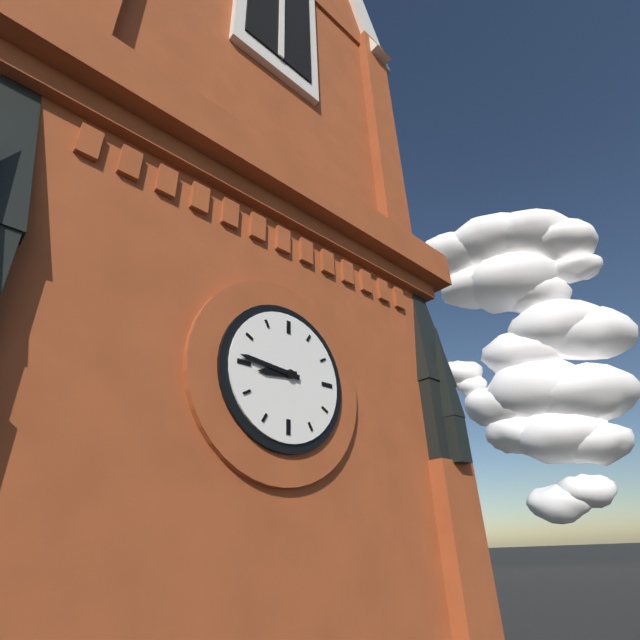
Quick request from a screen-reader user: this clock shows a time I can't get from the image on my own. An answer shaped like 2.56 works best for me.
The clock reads 8.46
